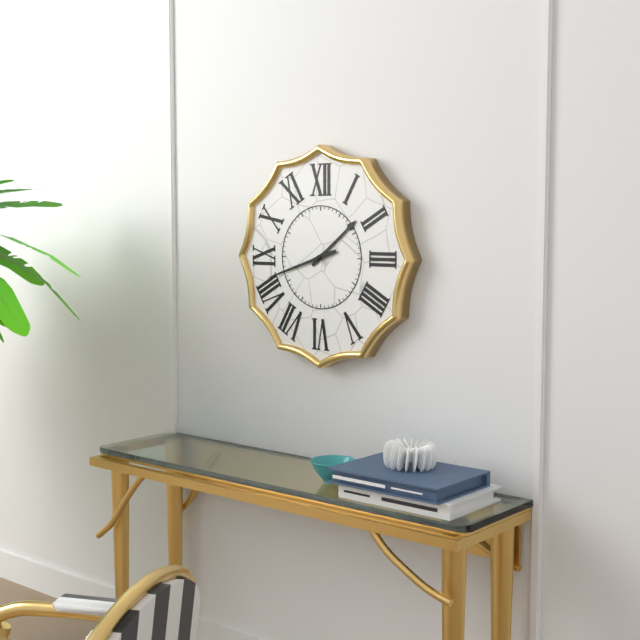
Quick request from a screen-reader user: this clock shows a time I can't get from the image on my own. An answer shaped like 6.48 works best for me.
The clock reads 1.42
